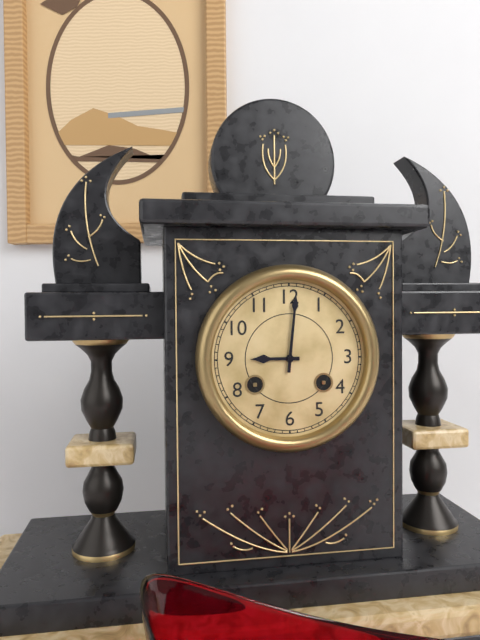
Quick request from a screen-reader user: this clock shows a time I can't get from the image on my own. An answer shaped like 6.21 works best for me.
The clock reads 9.01
